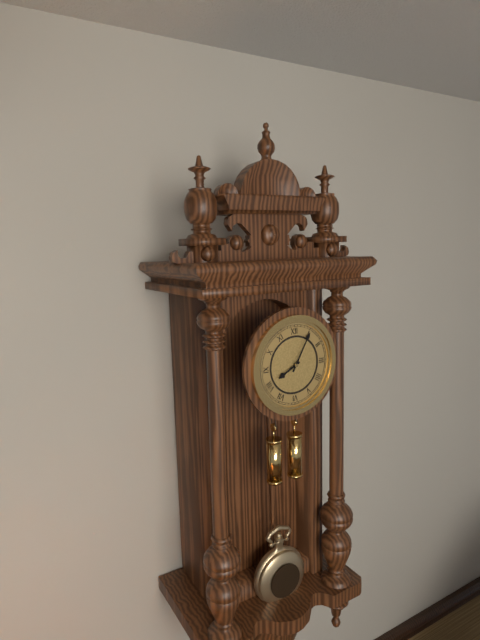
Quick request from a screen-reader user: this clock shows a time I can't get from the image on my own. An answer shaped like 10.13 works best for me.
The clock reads 8.05
